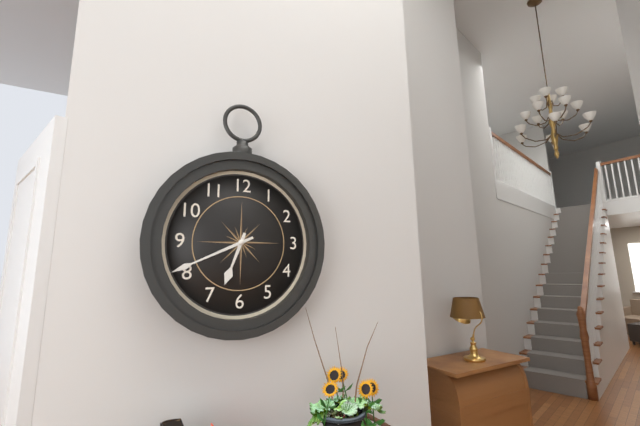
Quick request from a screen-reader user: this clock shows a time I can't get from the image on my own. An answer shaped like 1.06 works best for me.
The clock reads 6.41
